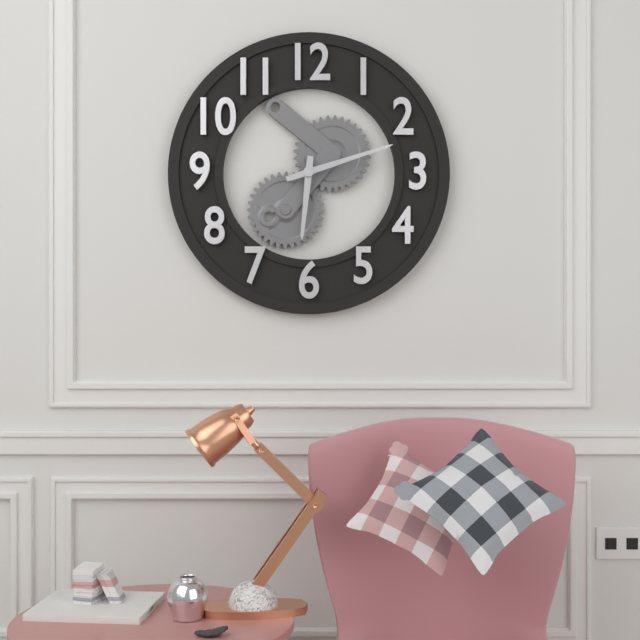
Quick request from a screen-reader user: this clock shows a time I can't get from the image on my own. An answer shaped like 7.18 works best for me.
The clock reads 6.12
